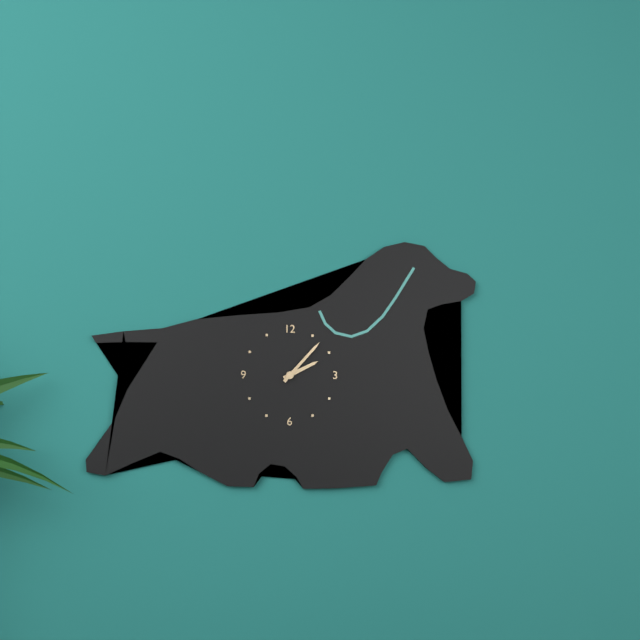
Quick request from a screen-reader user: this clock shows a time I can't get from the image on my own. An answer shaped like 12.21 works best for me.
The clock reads 2.07
